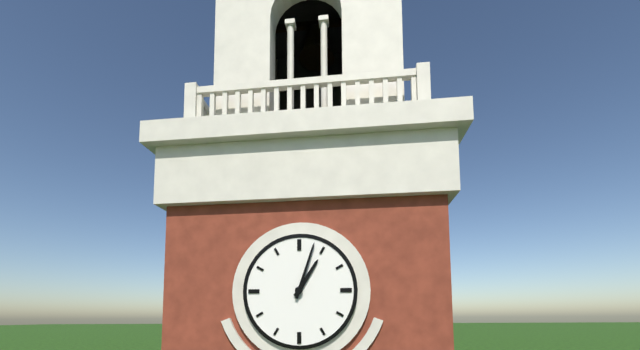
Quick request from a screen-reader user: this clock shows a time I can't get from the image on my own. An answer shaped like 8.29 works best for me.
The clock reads 1.03
